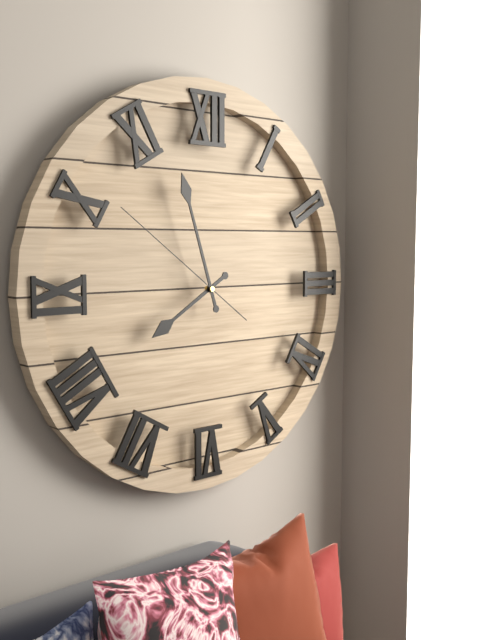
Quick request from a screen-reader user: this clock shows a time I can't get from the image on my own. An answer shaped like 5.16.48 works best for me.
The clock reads 7.57.51
